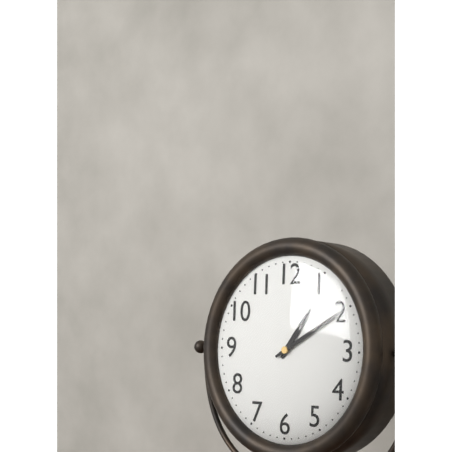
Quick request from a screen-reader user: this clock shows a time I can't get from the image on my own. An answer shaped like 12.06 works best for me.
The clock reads 1.10
